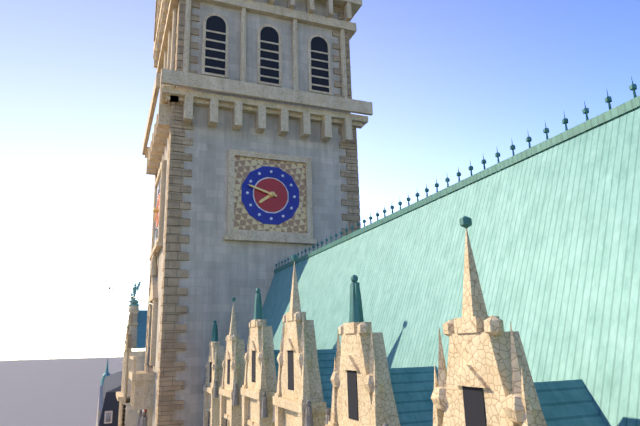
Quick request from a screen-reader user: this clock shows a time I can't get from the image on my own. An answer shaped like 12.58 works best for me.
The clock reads 7.48
